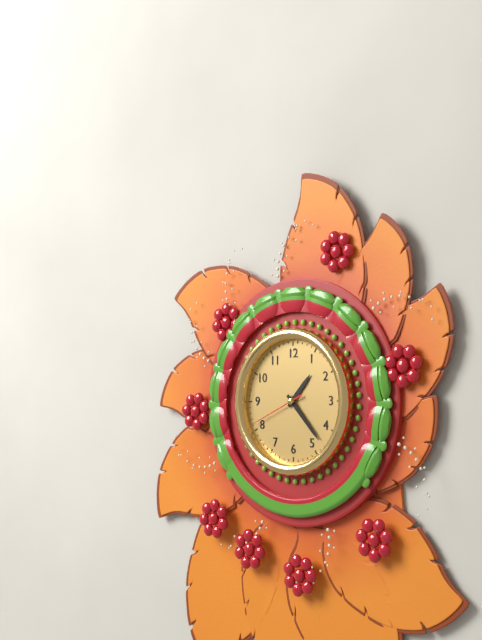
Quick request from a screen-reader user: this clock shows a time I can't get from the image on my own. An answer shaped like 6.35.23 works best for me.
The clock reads 1.23.41
